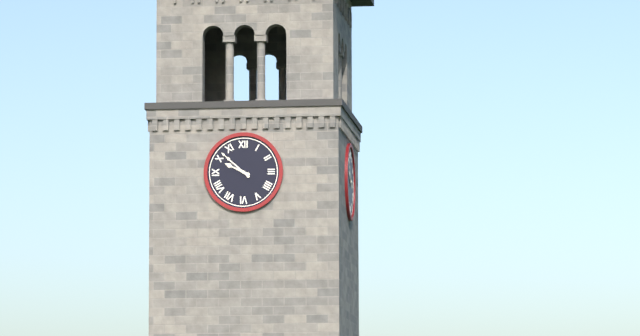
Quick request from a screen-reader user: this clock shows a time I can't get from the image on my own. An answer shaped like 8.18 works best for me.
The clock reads 9.52
